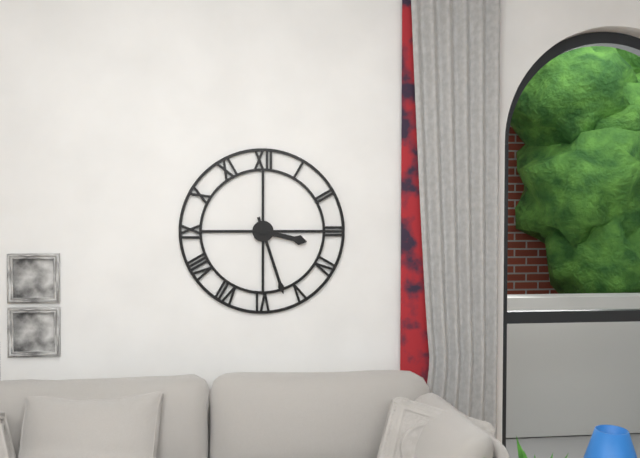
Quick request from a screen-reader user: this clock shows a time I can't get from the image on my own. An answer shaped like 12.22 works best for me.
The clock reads 3.27
